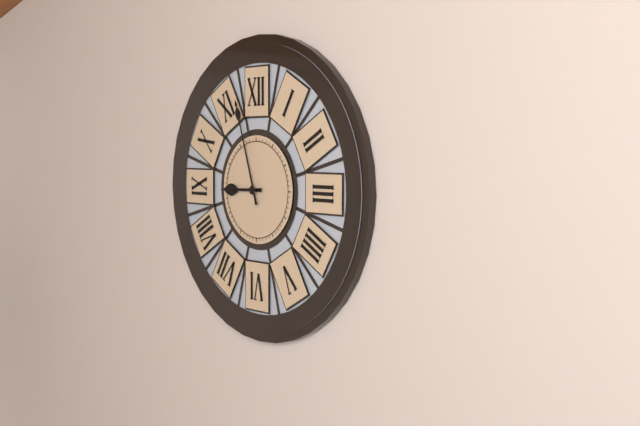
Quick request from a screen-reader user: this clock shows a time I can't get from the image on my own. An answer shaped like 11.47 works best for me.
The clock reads 8.57
